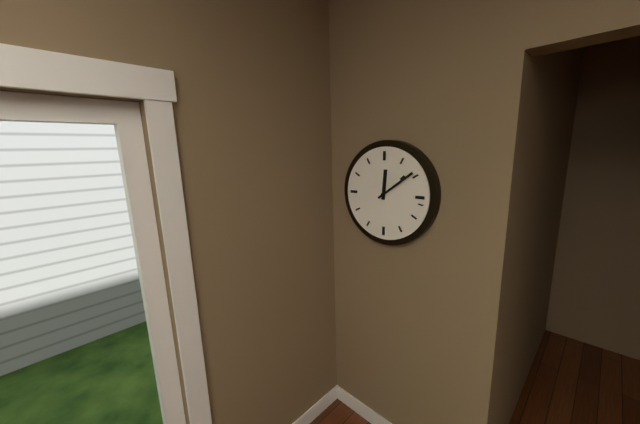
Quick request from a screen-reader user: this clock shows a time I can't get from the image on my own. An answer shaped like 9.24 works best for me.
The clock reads 12.09
